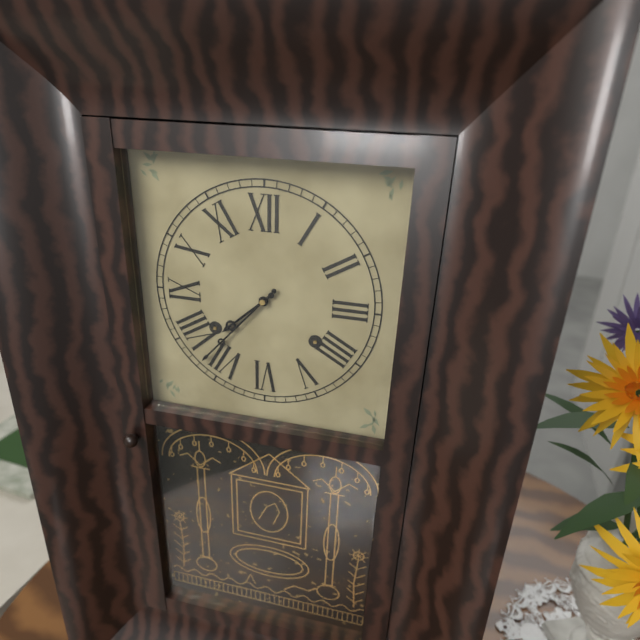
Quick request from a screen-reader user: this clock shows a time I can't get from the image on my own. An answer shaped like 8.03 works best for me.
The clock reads 7.37
